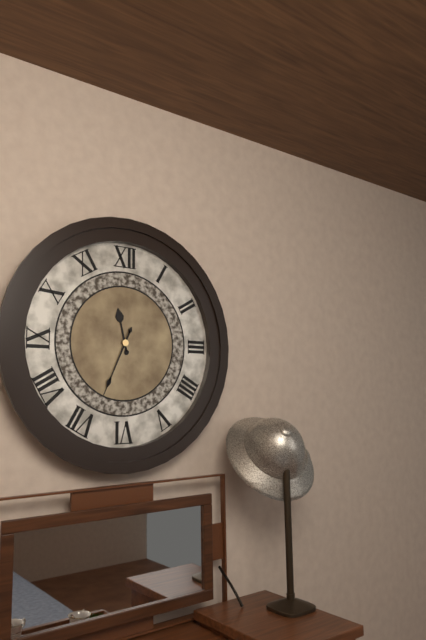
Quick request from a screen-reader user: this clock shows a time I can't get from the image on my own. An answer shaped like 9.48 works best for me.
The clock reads 11.34
